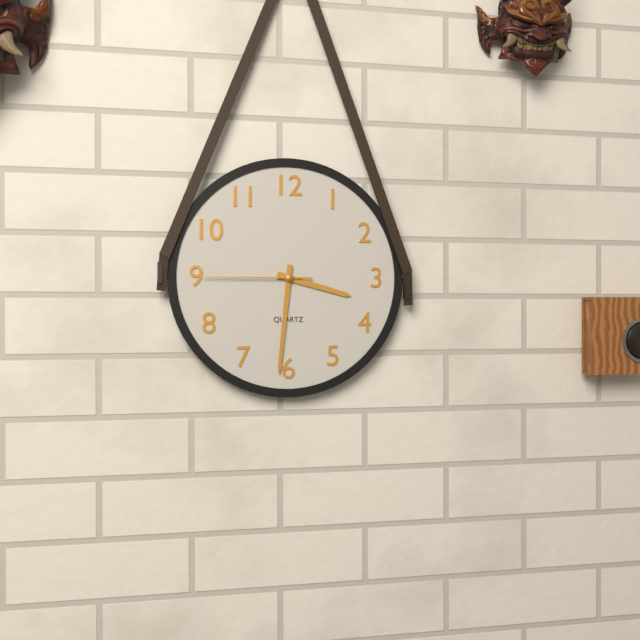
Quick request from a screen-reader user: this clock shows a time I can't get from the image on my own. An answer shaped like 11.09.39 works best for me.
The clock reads 3.31.45
